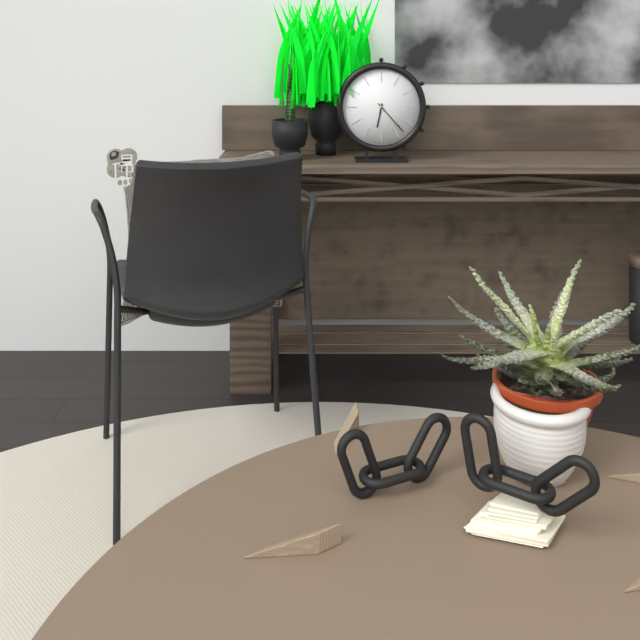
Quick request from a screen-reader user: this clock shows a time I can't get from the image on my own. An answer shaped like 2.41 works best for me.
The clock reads 6.23
